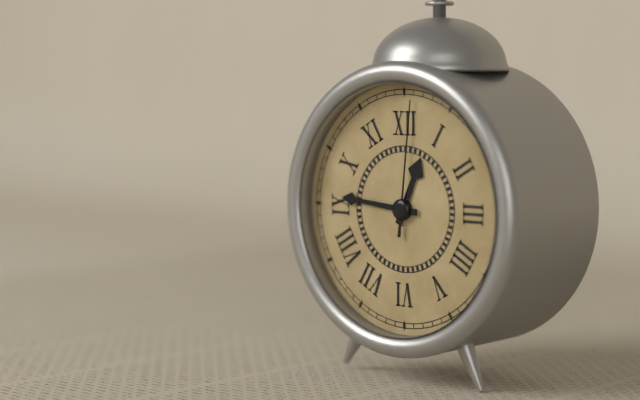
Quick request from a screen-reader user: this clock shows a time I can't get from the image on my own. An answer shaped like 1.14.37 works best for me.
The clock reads 12.46.01
